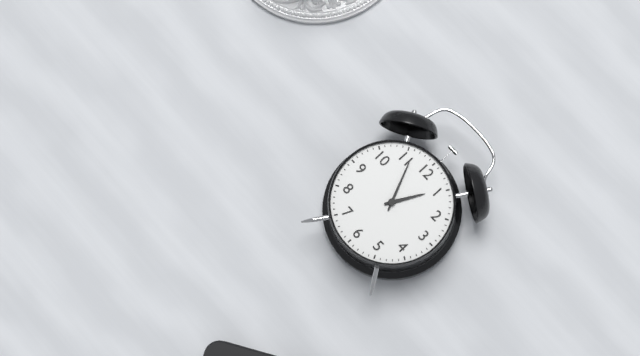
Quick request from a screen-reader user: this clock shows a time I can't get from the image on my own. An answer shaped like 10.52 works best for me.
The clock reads 12.56
